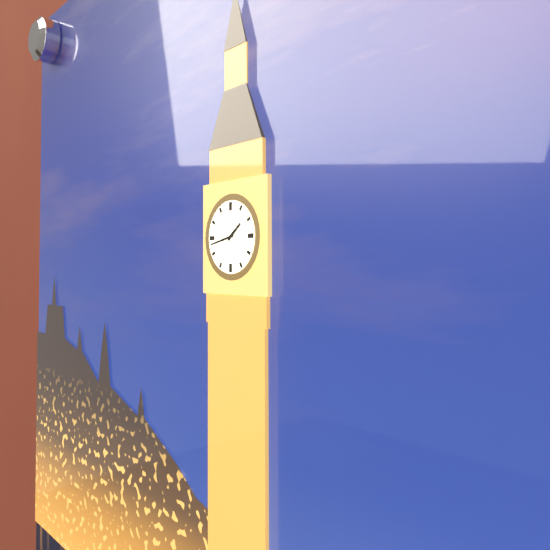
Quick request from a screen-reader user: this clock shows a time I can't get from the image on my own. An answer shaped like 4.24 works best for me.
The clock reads 1.43
